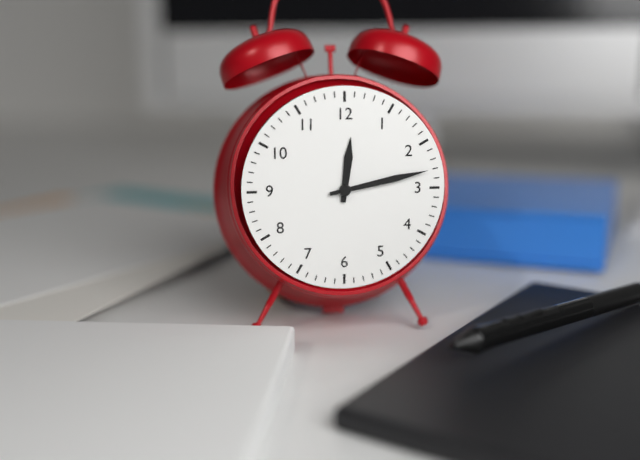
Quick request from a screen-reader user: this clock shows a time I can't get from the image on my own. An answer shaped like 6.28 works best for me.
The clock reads 12.13
